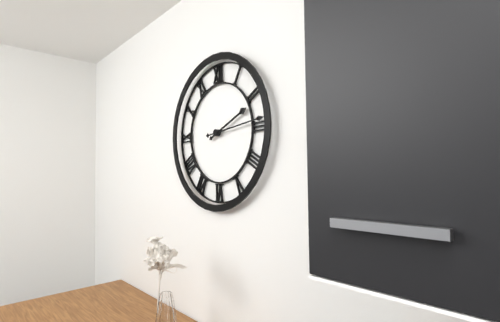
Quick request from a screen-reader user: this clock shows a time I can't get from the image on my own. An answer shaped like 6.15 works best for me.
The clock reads 2.14
